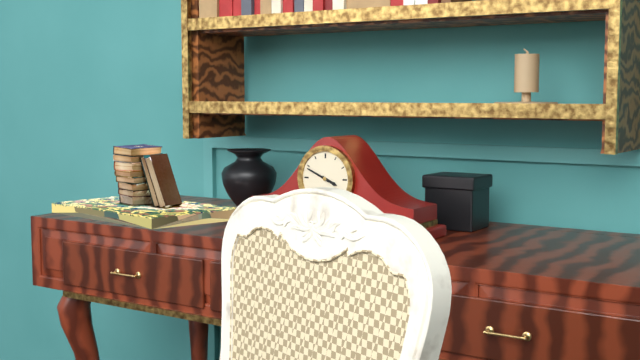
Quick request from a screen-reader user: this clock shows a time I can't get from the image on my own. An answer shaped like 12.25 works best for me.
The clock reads 3.49
